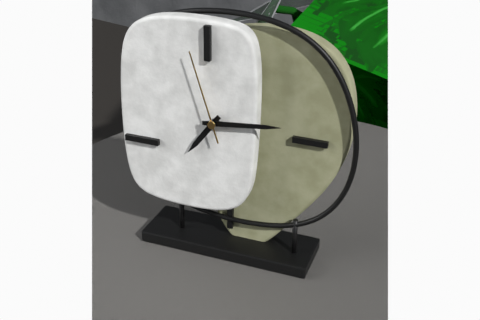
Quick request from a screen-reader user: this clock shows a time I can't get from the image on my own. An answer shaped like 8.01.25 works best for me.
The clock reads 7.14.57
